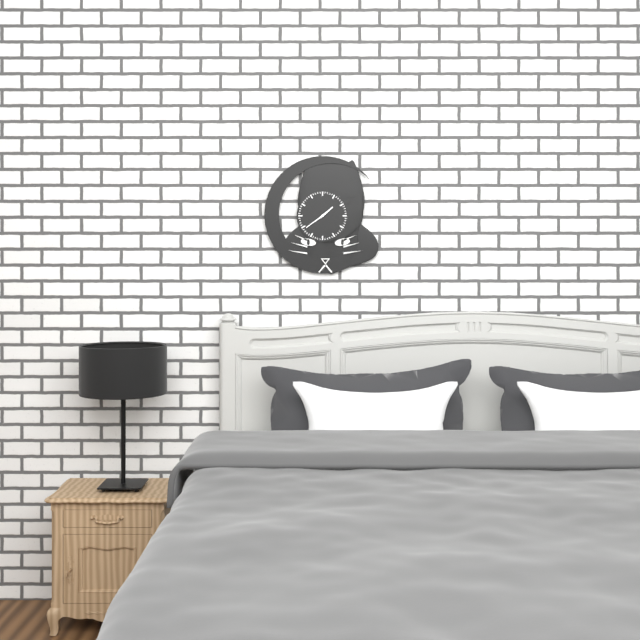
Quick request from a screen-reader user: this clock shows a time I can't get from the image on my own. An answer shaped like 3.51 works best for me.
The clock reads 1.39
